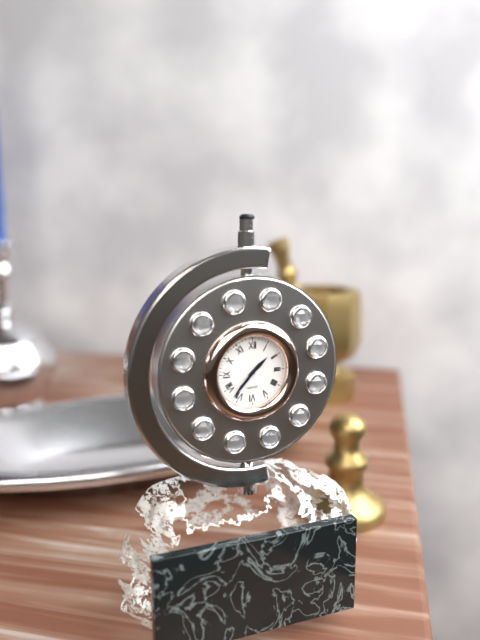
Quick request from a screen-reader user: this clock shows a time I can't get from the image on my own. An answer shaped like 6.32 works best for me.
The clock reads 1.37
